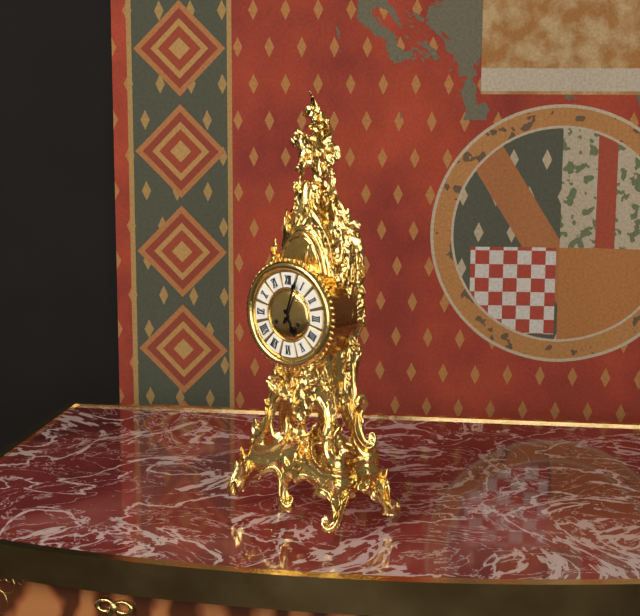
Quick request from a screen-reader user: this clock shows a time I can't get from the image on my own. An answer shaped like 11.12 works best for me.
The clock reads 5.03
